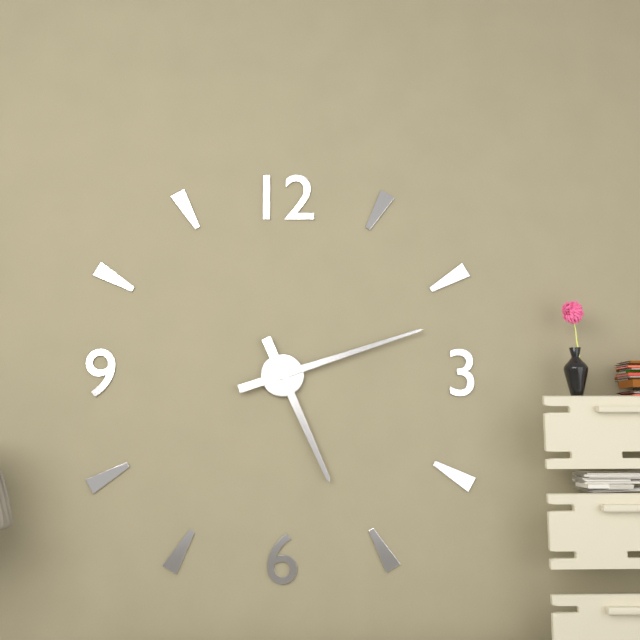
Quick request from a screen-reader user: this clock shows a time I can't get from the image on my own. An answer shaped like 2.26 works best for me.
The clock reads 5.12
